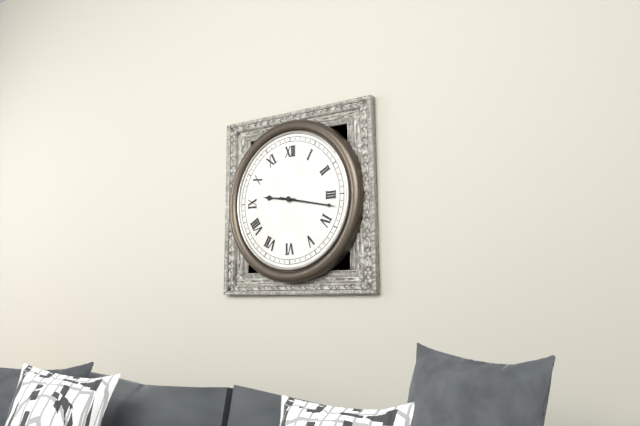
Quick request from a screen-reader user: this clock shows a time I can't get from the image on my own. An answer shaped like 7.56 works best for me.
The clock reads 9.17
